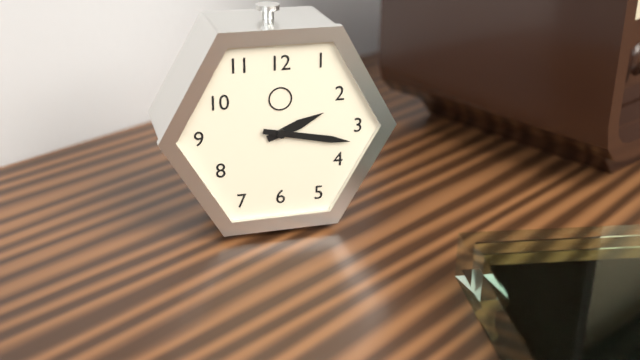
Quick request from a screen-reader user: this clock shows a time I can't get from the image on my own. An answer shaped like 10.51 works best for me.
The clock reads 2.17
